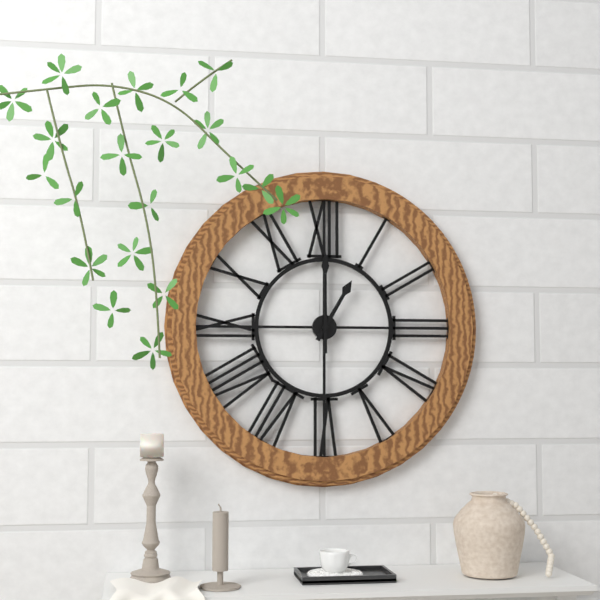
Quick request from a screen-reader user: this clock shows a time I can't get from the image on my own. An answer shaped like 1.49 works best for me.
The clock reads 1.00
